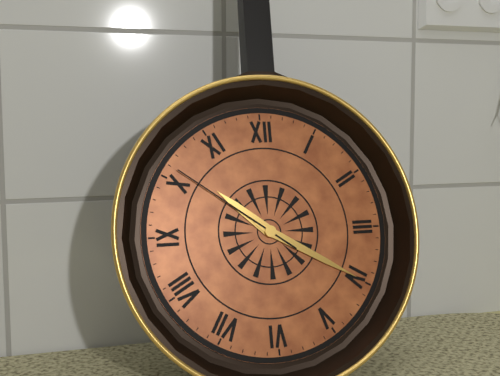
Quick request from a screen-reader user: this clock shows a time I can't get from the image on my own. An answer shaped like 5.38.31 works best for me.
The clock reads 10.20.51
